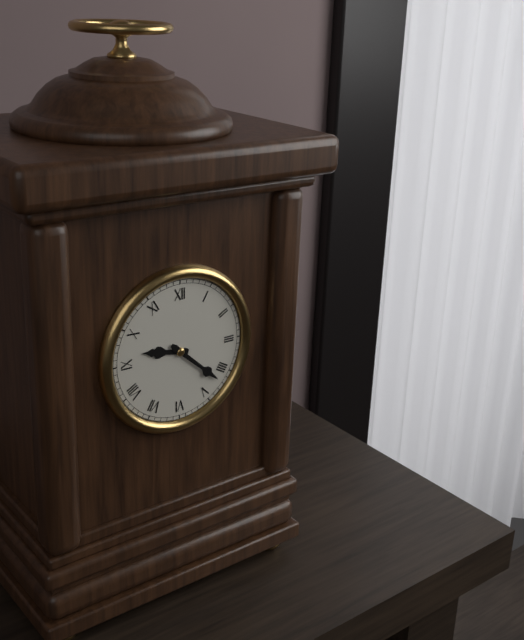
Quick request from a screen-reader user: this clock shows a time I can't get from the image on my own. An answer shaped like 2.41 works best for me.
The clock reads 9.22
